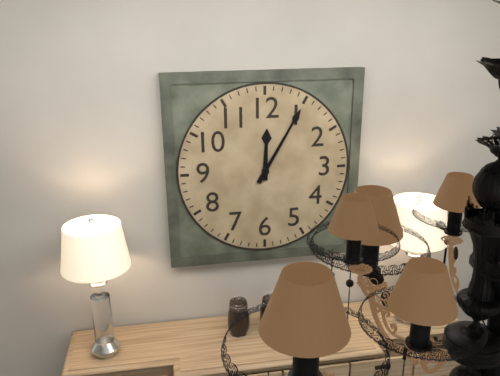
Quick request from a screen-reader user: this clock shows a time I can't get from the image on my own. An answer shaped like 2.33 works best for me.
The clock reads 12.05
